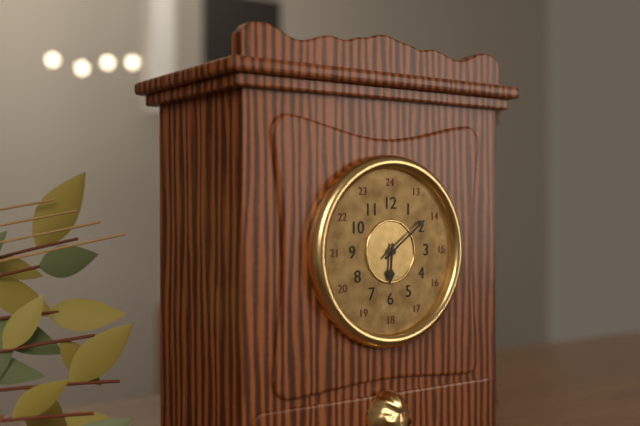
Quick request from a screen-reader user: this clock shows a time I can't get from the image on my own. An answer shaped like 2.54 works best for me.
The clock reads 6.09
